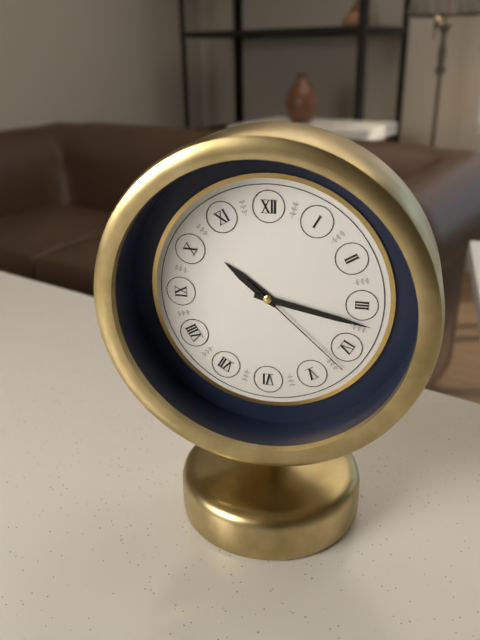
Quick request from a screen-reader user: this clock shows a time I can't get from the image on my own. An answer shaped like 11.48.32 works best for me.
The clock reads 10.17.22
